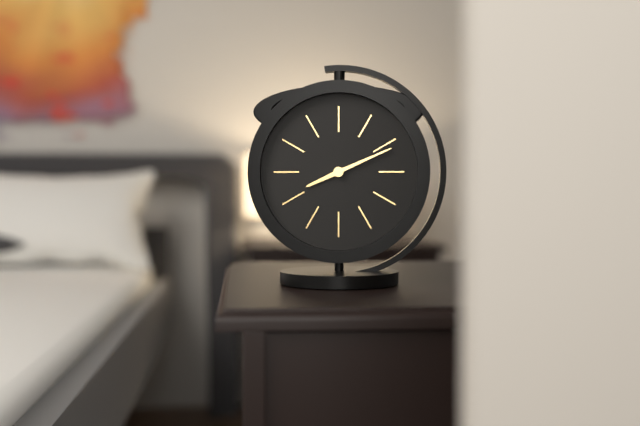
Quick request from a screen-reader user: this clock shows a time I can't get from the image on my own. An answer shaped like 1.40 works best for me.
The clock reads 8.11
